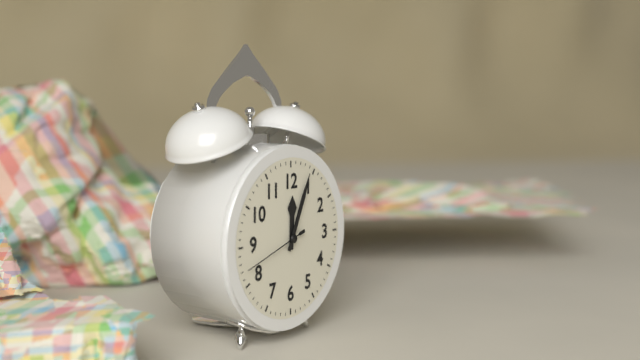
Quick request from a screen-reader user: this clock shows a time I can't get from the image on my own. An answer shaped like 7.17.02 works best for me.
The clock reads 12.04.42
